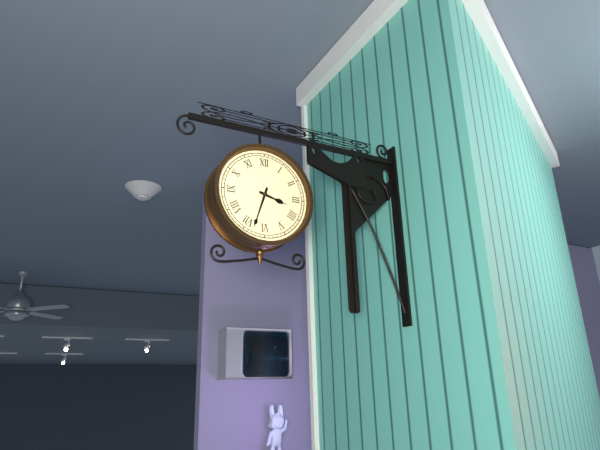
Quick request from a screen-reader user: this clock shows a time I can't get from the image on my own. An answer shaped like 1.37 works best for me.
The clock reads 3.33
